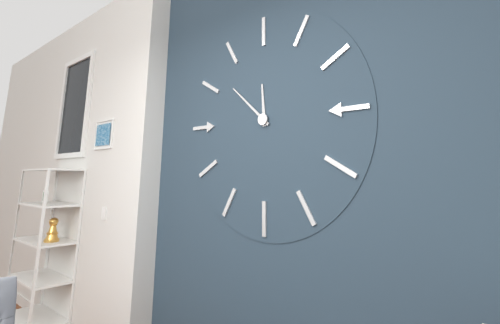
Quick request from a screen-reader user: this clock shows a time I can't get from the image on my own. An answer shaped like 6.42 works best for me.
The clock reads 11.52
